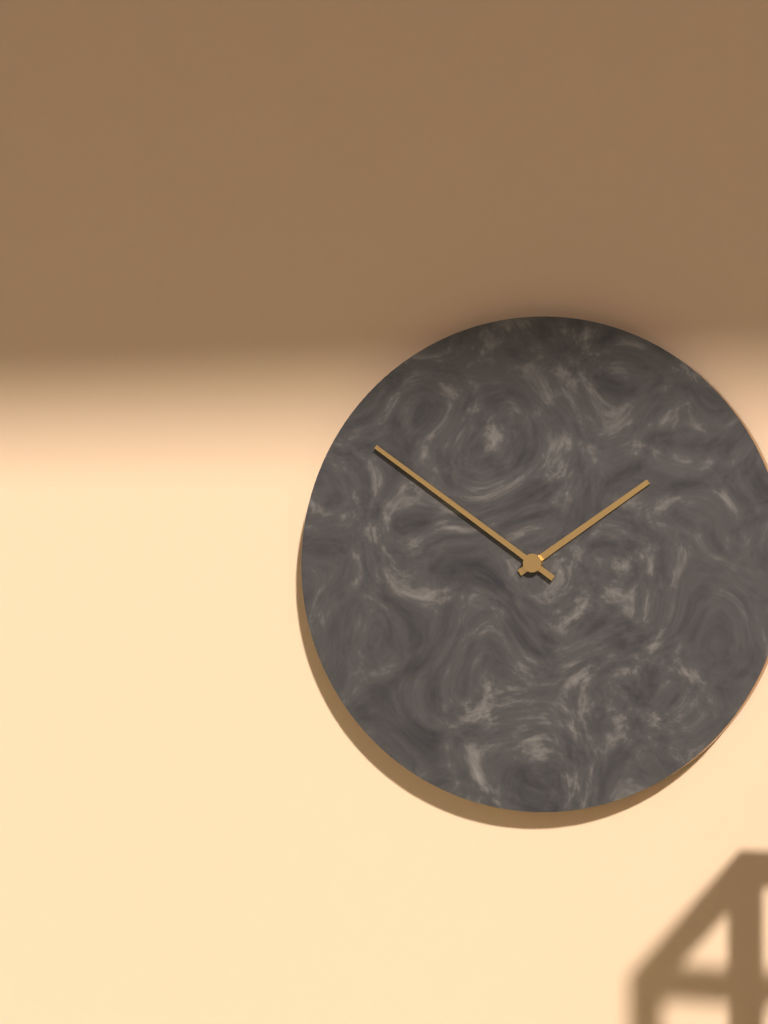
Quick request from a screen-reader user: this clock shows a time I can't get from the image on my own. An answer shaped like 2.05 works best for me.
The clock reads 1.51
